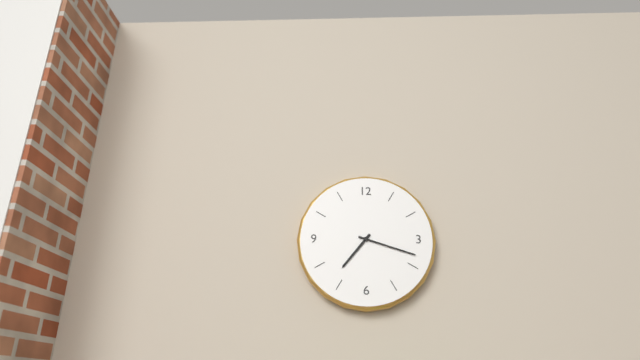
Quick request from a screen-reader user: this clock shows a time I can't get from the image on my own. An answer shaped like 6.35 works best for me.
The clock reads 7.18
